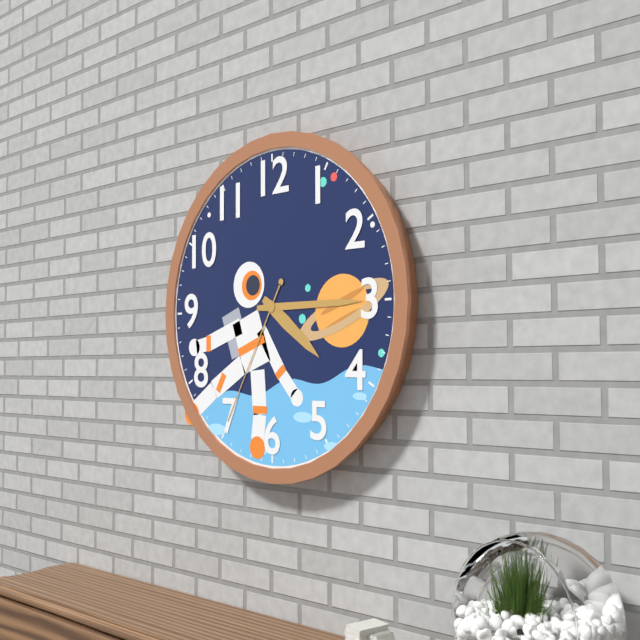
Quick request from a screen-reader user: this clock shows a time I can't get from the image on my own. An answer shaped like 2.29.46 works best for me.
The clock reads 4.15.35
